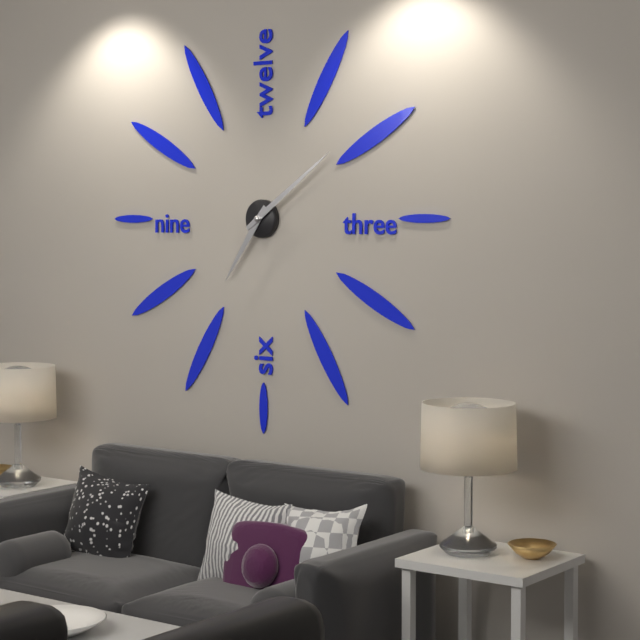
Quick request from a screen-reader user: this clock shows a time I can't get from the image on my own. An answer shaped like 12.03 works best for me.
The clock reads 7.09
